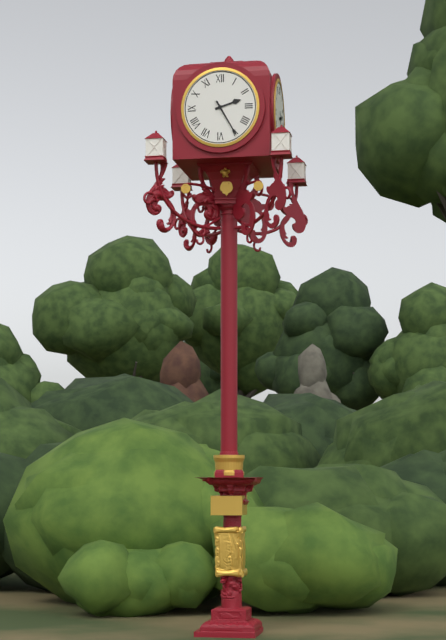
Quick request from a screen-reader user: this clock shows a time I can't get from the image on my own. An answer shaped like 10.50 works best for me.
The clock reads 2.25
